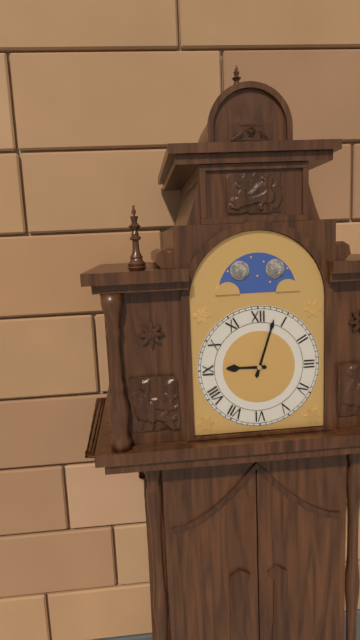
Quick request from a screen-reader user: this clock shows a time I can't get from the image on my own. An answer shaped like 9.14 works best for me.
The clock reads 9.03
